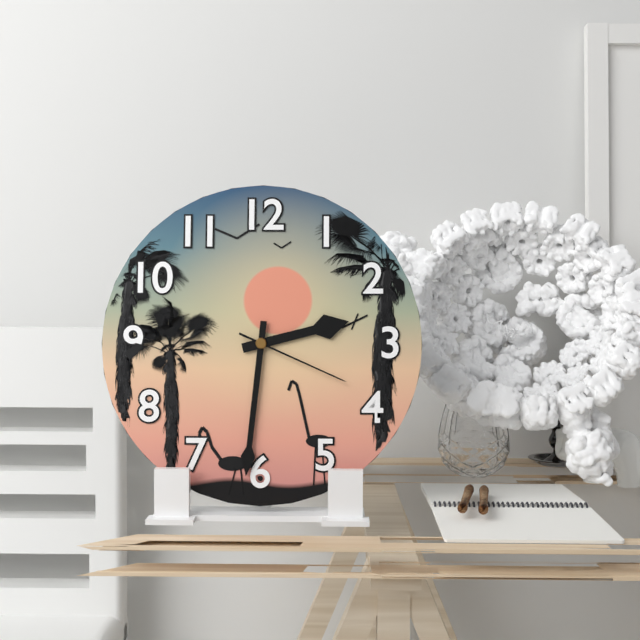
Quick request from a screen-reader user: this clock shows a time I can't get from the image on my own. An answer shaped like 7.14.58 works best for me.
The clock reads 2.31.19
